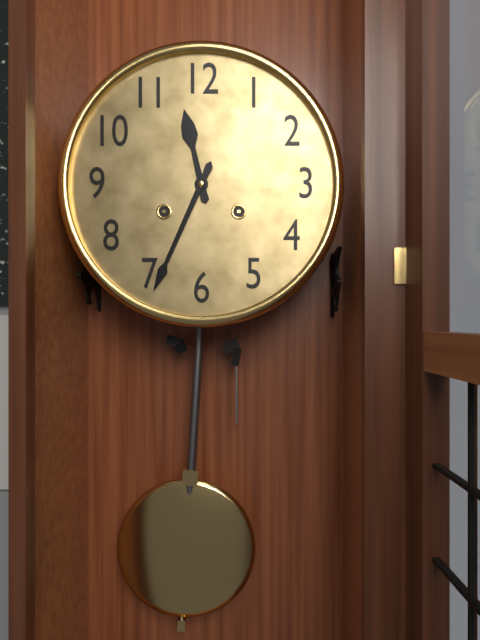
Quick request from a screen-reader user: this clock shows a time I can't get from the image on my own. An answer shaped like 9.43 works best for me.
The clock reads 11.34
